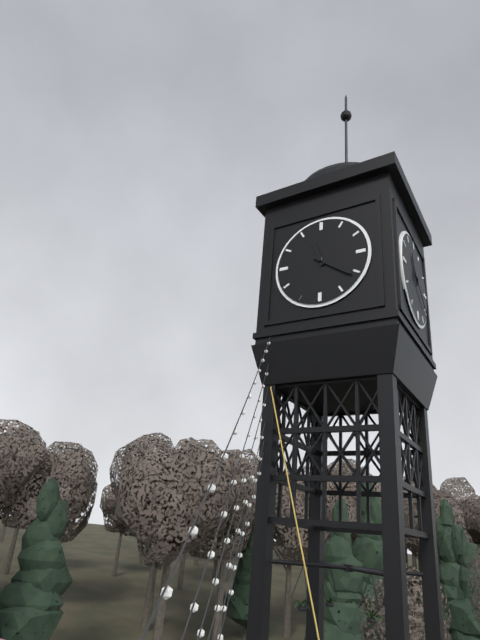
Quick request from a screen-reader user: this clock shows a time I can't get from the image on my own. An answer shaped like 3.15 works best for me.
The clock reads 11.21
